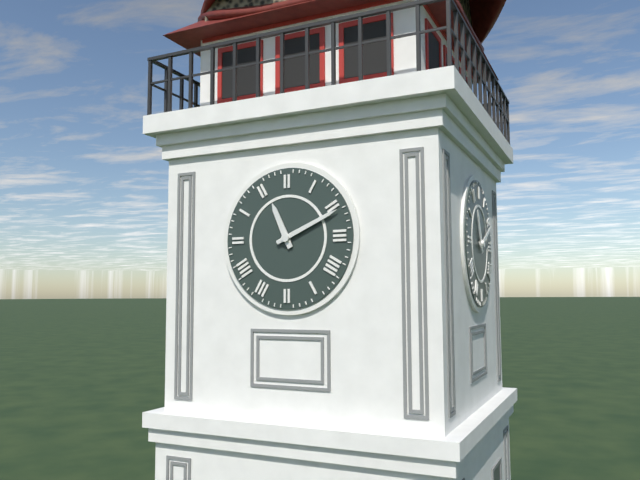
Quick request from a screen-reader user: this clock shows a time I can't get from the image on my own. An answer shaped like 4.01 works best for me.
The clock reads 11.11
